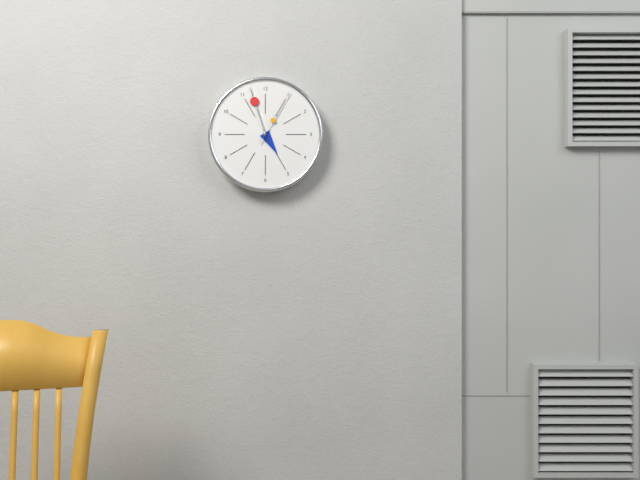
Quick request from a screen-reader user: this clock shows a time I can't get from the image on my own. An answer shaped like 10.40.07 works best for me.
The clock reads 4.57.05
